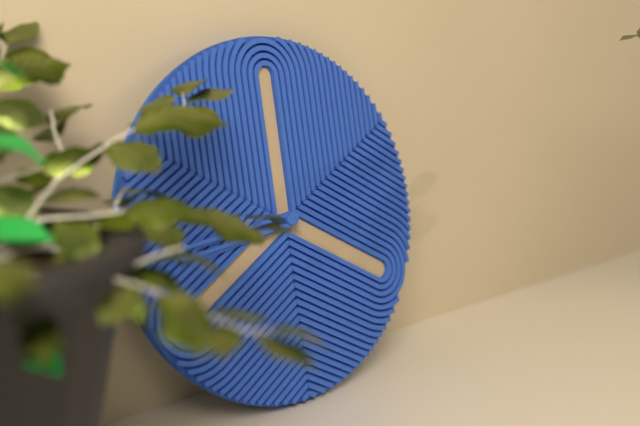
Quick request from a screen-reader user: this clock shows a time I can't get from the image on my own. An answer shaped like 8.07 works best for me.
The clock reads 8.44
